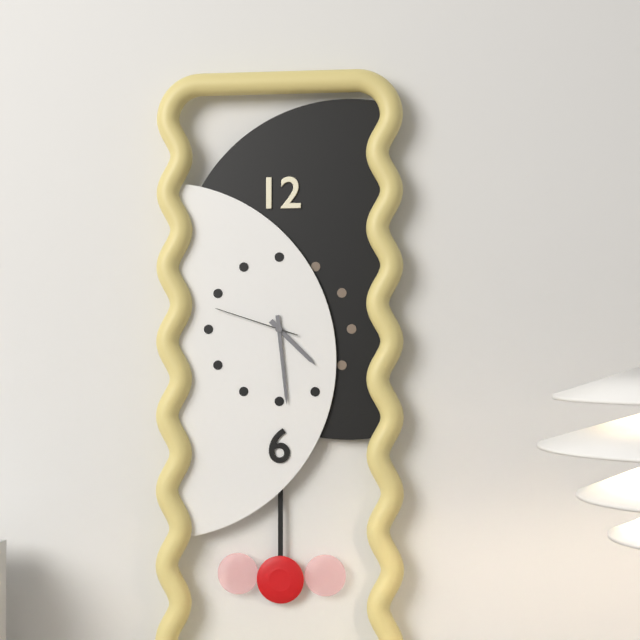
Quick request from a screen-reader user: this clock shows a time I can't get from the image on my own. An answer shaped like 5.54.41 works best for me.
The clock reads 4.29.48
